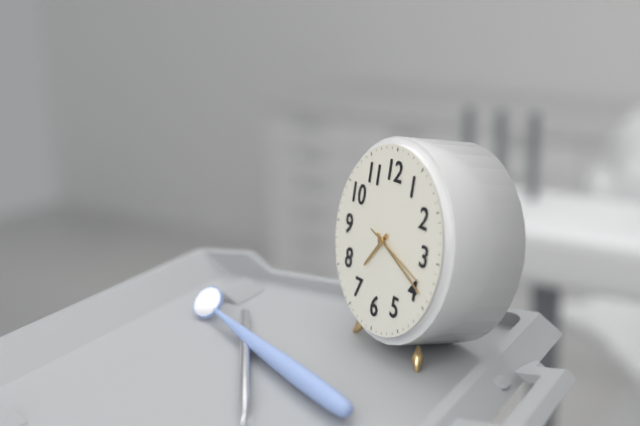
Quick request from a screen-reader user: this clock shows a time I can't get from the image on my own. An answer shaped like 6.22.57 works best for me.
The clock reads 7.19.18
